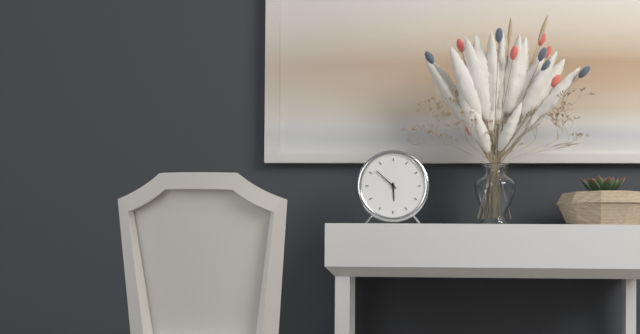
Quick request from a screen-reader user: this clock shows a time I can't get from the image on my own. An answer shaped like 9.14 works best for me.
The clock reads 5.52
